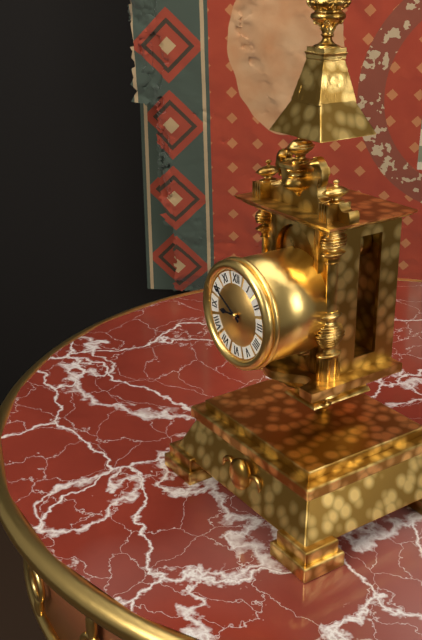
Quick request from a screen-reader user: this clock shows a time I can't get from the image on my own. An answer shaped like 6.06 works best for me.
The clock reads 8.50
